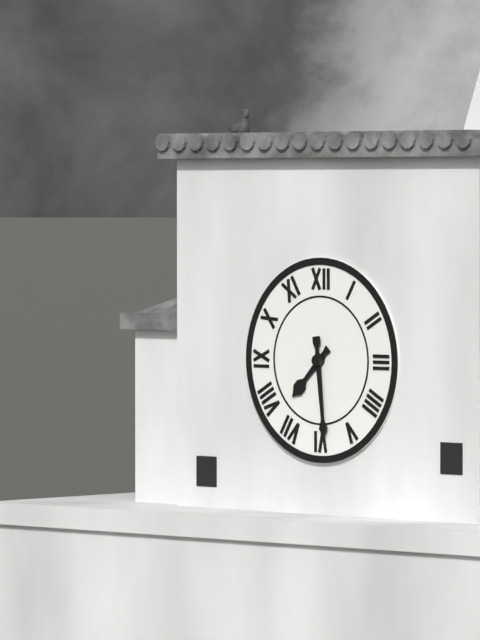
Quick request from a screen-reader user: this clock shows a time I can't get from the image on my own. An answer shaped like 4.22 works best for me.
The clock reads 7.29
